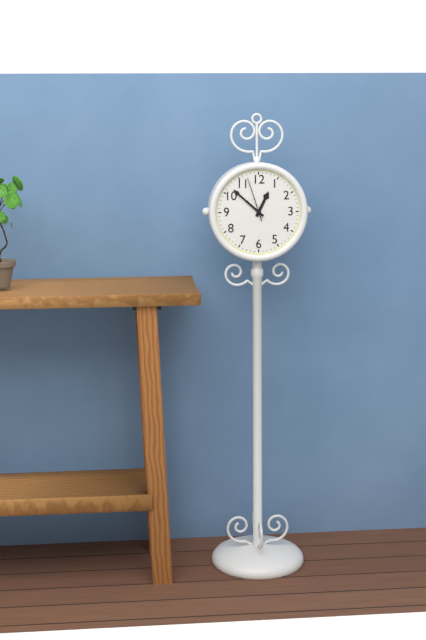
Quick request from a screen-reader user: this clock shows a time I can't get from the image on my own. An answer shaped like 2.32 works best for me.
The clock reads 12.52
